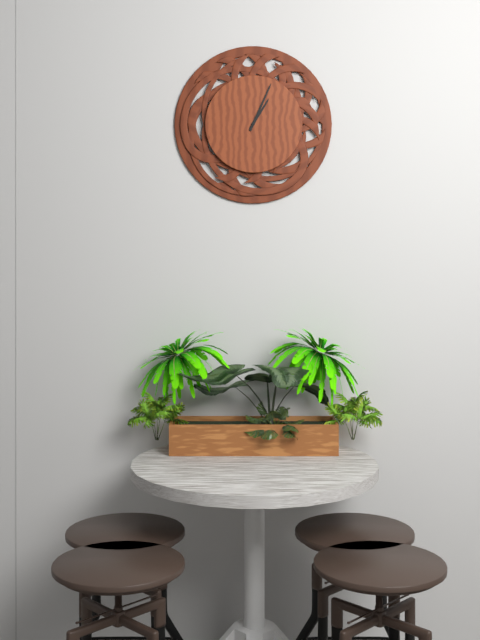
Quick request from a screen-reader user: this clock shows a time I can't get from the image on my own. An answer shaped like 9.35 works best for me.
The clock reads 1.04
